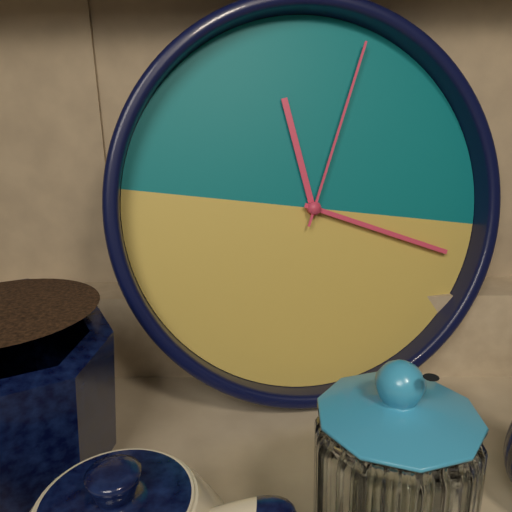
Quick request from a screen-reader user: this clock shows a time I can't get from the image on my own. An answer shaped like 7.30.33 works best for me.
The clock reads 11.17.02
